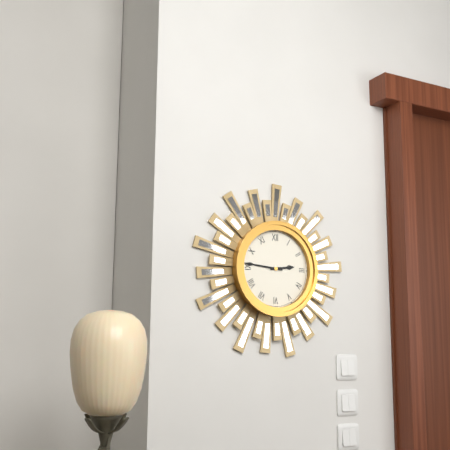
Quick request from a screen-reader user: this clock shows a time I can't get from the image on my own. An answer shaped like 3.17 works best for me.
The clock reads 2.46
